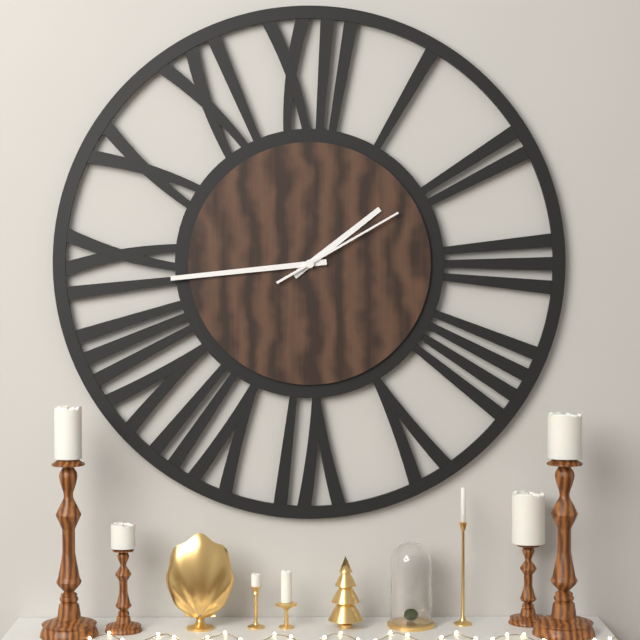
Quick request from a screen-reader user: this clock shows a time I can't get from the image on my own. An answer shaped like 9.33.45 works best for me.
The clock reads 1.44.10
